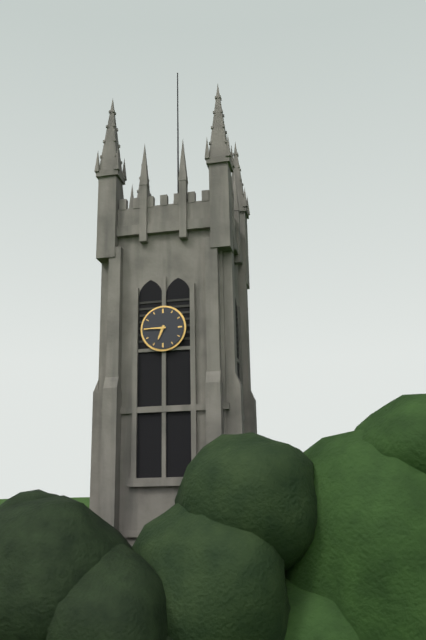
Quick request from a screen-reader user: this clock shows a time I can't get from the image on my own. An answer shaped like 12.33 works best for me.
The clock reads 6.45
